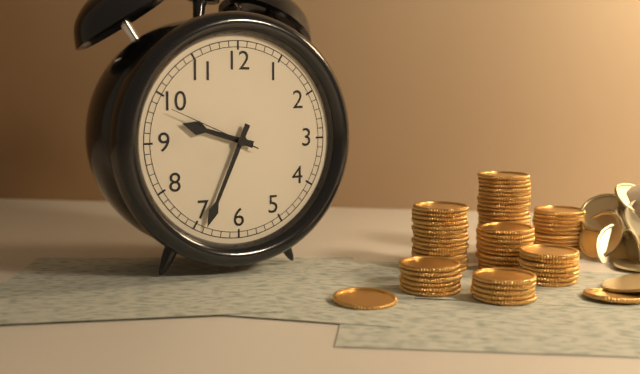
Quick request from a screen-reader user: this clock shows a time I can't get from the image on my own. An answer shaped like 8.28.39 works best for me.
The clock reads 9.34.49
